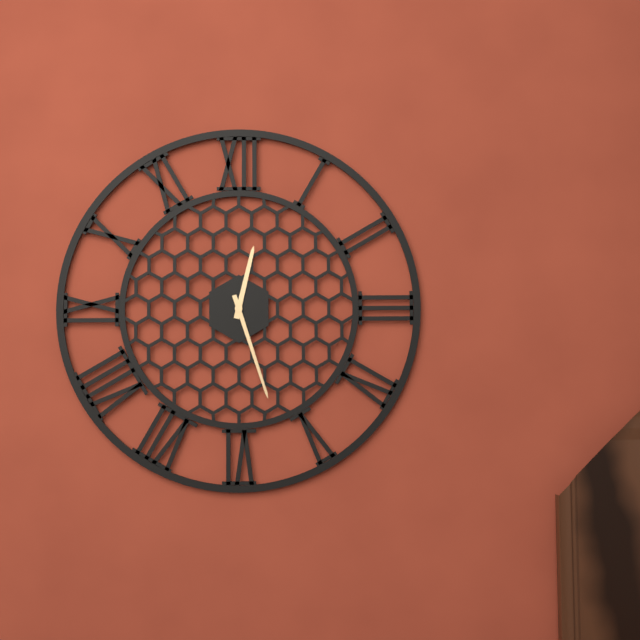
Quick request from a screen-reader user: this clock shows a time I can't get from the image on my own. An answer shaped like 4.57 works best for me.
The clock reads 12.27
